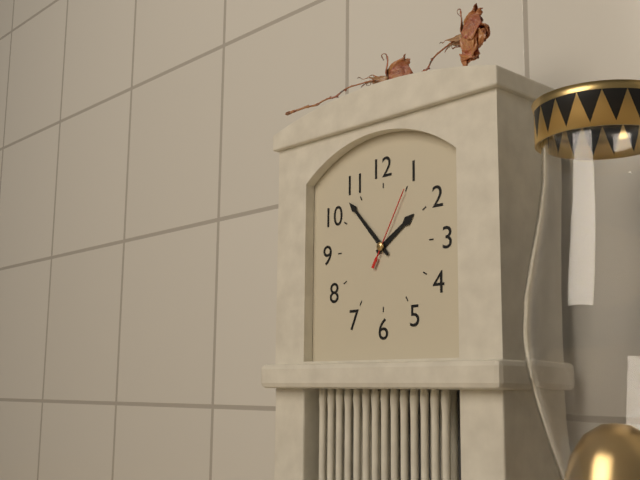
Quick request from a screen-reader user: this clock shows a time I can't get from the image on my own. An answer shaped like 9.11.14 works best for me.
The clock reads 1.53.05
